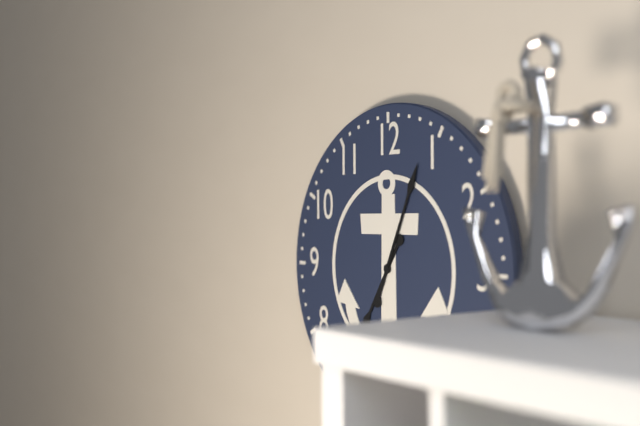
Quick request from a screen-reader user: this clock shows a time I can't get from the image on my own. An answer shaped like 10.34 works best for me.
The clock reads 7.04
